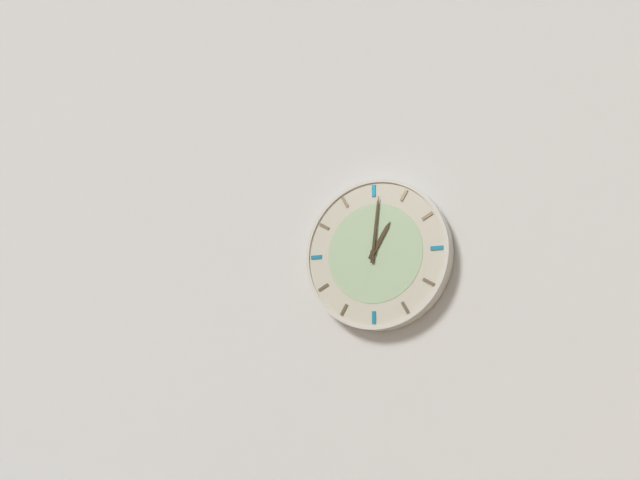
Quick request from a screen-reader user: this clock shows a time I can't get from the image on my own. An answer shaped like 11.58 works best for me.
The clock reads 1.01
